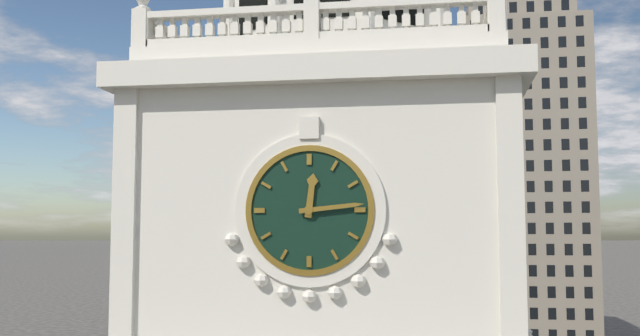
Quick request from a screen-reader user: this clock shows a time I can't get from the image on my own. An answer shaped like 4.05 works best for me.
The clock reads 12.14
